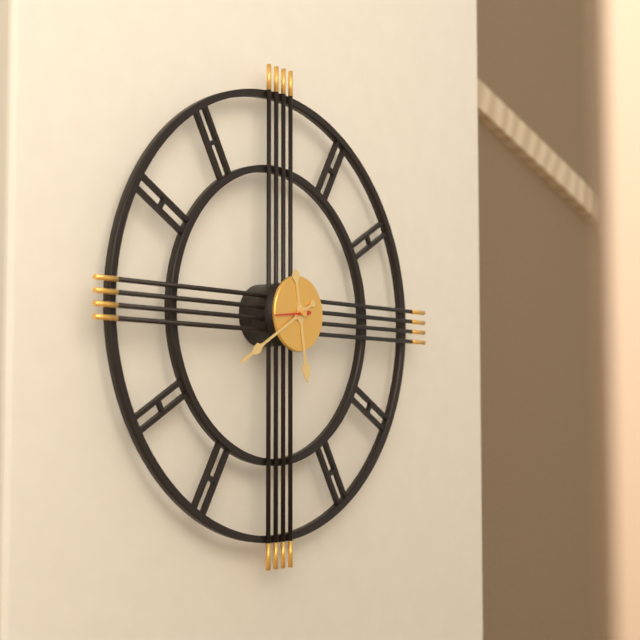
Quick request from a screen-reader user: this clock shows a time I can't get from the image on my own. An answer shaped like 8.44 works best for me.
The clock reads 5.40
